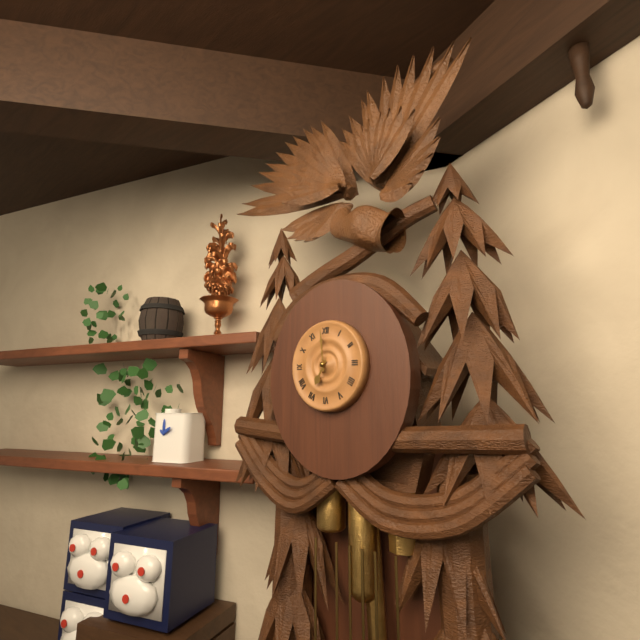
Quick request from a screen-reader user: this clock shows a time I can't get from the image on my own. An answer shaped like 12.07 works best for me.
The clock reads 6.59
